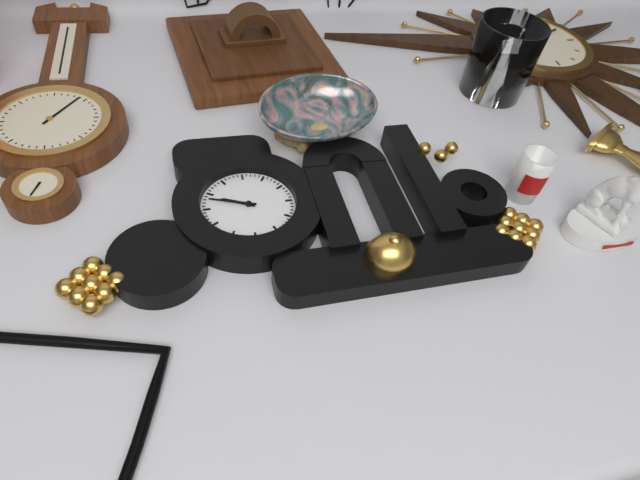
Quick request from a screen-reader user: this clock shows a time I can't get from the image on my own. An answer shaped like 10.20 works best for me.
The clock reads 9.48
